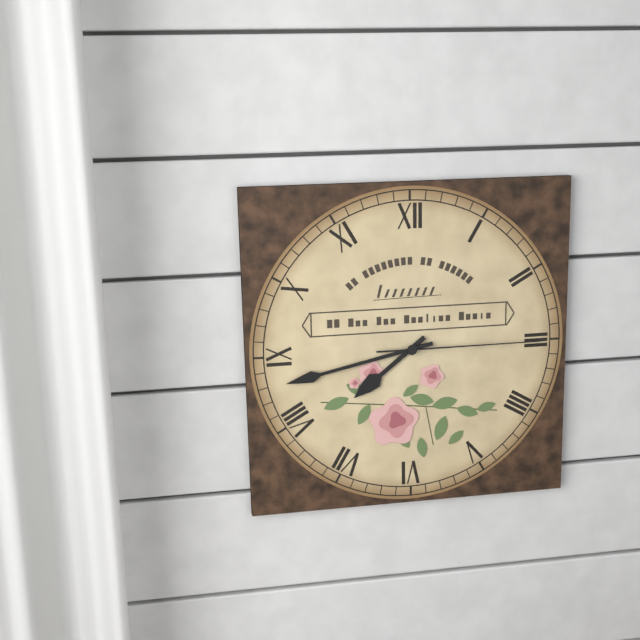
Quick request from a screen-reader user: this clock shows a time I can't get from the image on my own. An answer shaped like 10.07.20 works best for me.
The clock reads 7.43.15
